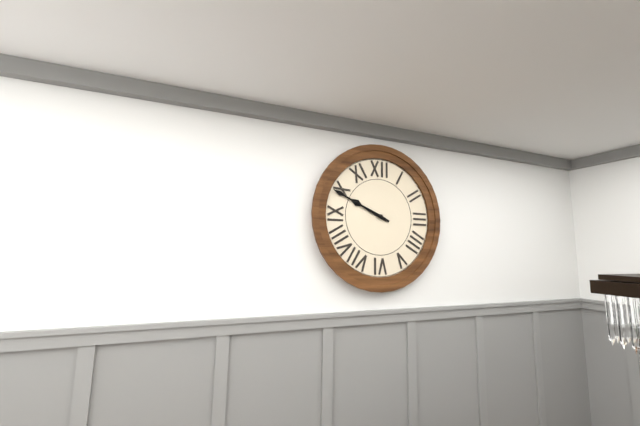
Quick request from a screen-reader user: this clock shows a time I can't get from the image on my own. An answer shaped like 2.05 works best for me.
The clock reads 9.49
